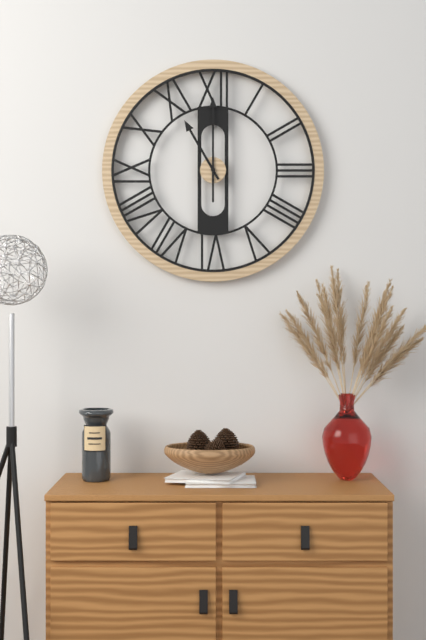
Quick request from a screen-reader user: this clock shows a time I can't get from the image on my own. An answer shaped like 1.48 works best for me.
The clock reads 11.00
